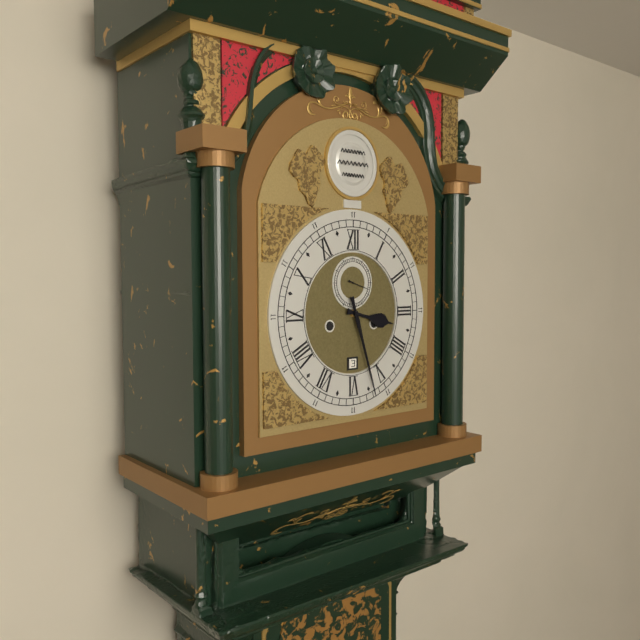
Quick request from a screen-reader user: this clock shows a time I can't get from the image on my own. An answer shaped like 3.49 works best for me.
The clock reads 3.27
